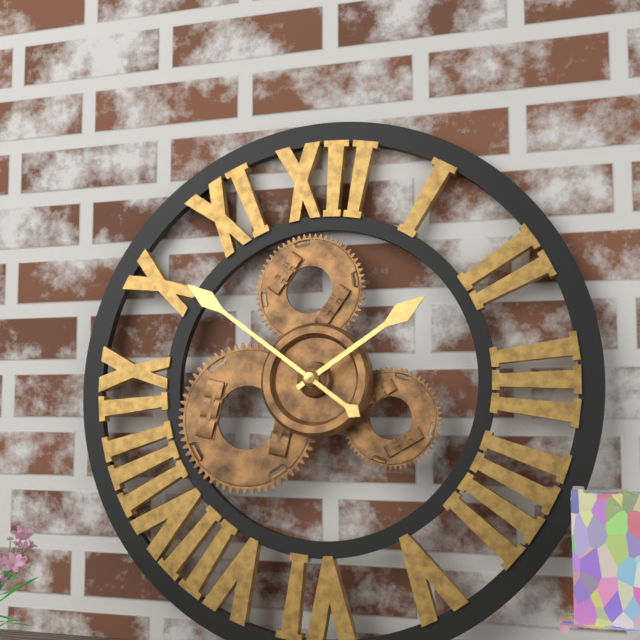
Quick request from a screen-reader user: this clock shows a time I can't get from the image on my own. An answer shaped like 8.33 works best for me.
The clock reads 1.51
